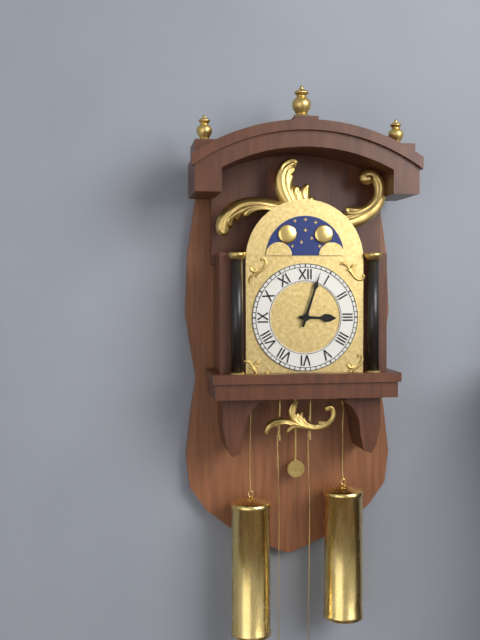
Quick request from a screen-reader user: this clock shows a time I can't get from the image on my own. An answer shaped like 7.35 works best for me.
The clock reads 3.03
